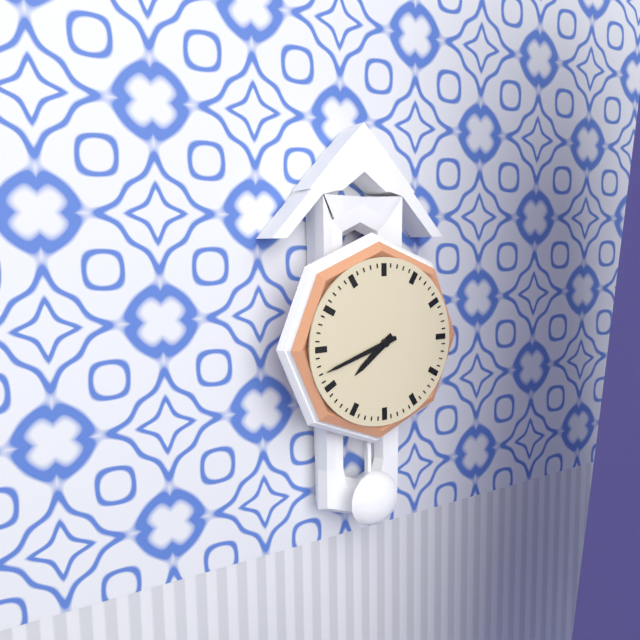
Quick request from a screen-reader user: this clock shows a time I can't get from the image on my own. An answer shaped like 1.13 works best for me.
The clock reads 7.42
